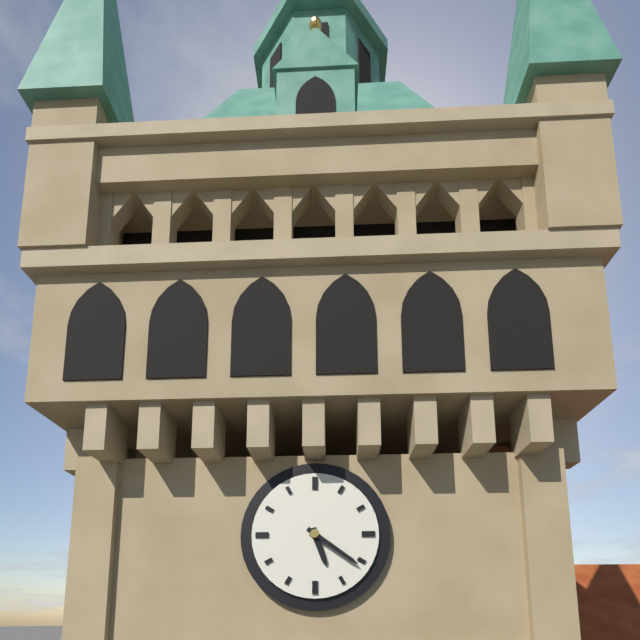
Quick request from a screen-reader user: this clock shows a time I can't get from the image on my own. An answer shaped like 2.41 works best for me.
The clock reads 5.21
